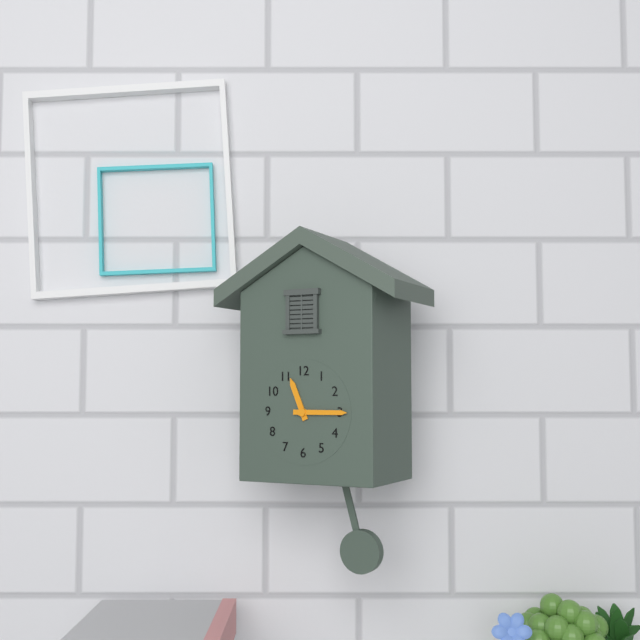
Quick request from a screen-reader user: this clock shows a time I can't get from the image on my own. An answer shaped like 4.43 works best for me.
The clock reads 11.15
